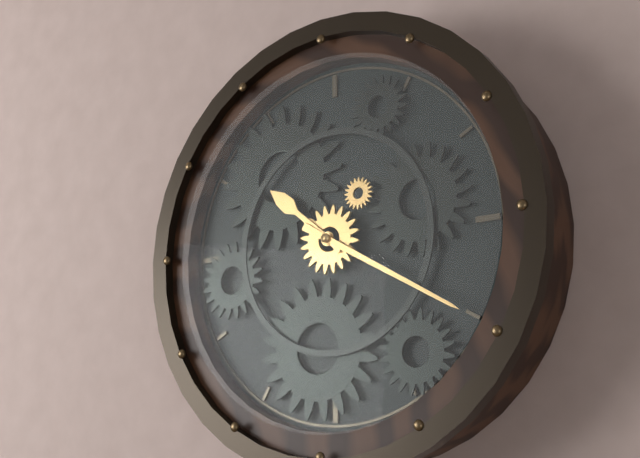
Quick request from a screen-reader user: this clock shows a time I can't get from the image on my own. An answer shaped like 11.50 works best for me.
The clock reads 10.20
